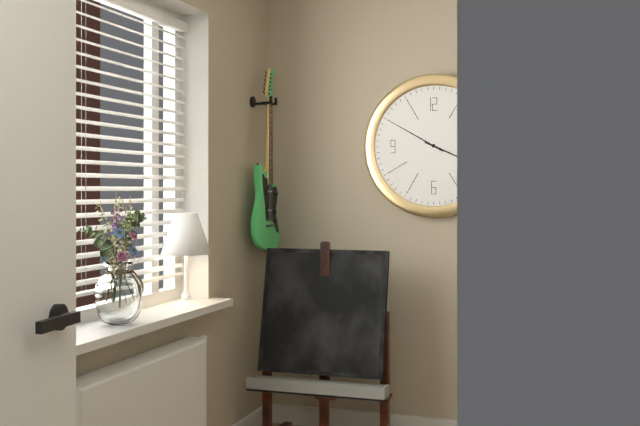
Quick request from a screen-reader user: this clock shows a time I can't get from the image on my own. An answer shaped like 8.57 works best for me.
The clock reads 3.50
